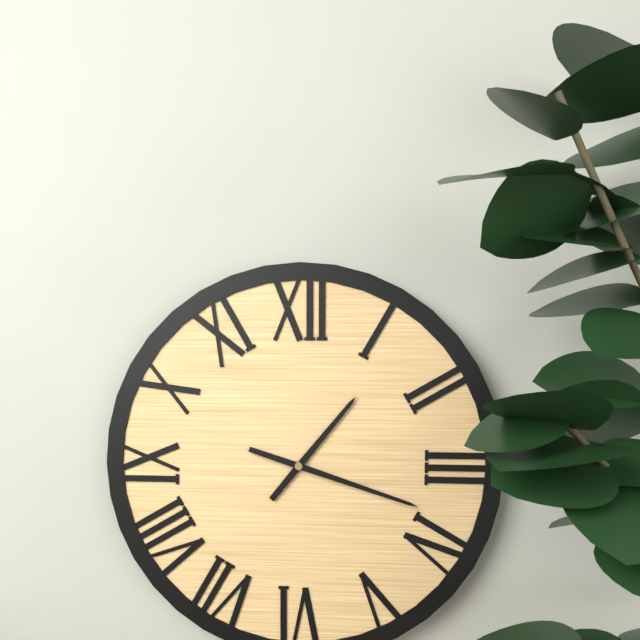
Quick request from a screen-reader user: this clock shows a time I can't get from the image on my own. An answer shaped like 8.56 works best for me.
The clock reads 1.18
